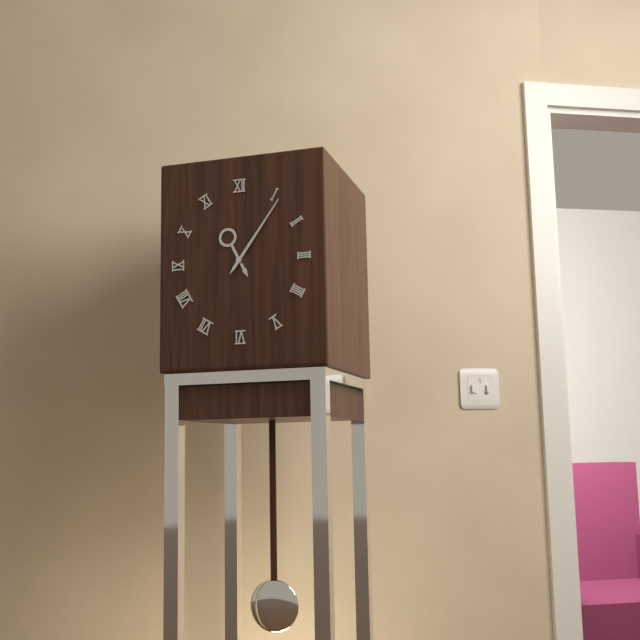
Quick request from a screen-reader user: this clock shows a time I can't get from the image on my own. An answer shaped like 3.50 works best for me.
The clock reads 11.06
